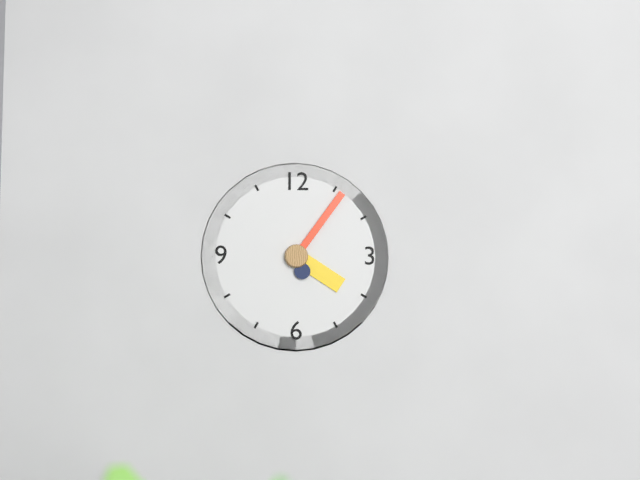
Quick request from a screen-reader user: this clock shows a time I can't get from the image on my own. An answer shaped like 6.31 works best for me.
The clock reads 4.06
